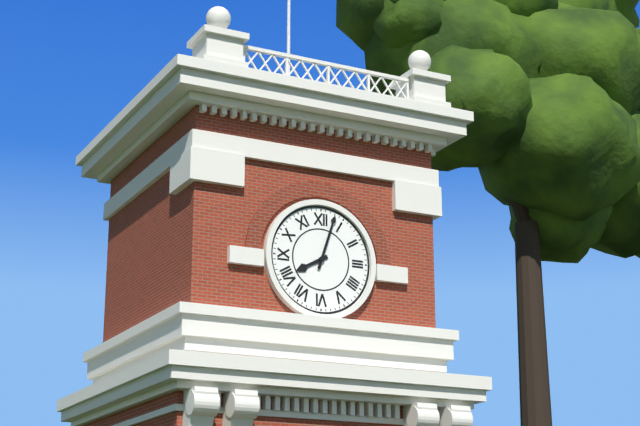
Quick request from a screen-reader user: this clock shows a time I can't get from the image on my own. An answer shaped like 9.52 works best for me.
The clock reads 8.03
